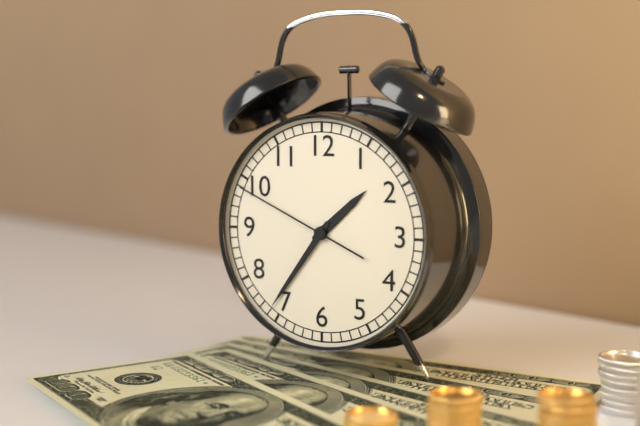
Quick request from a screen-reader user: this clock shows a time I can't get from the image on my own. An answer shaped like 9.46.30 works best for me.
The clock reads 1.36.49
